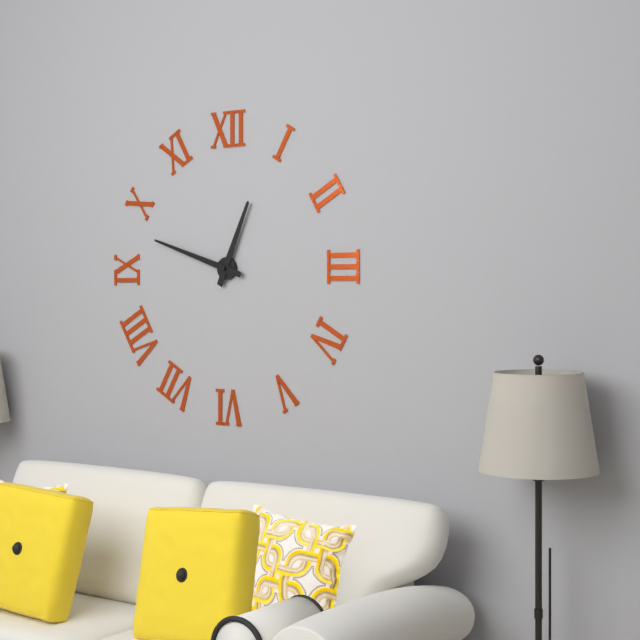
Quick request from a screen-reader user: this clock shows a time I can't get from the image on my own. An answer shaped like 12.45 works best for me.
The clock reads 12.48
